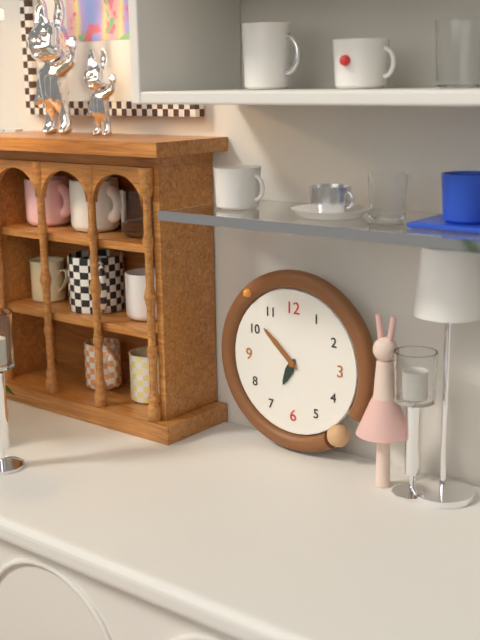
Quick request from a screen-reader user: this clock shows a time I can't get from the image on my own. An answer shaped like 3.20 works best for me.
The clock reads 6.52
